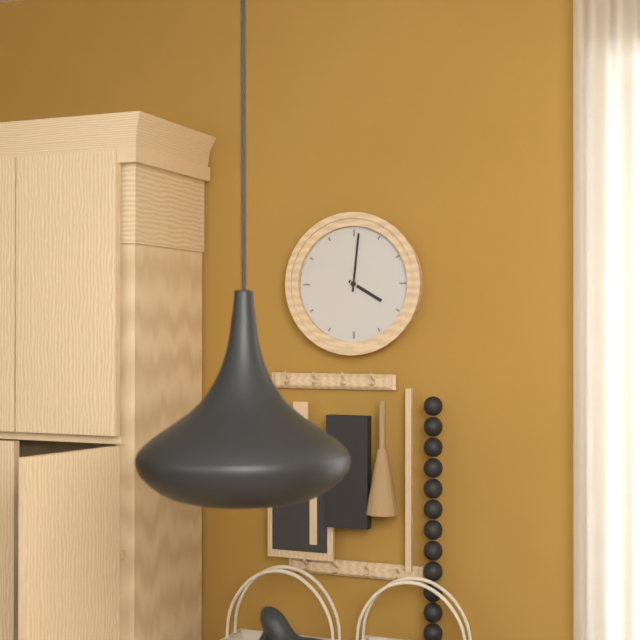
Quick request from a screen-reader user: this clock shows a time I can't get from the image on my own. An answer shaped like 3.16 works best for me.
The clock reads 4.01
